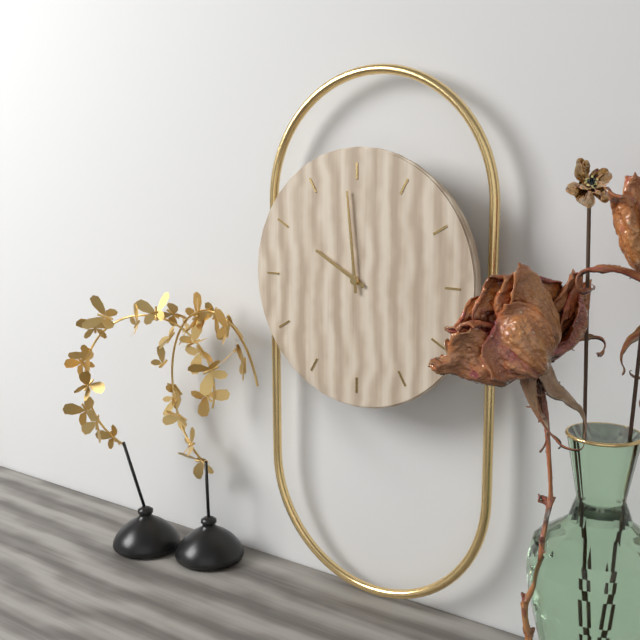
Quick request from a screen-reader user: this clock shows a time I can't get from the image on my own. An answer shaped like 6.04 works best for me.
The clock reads 9.59
